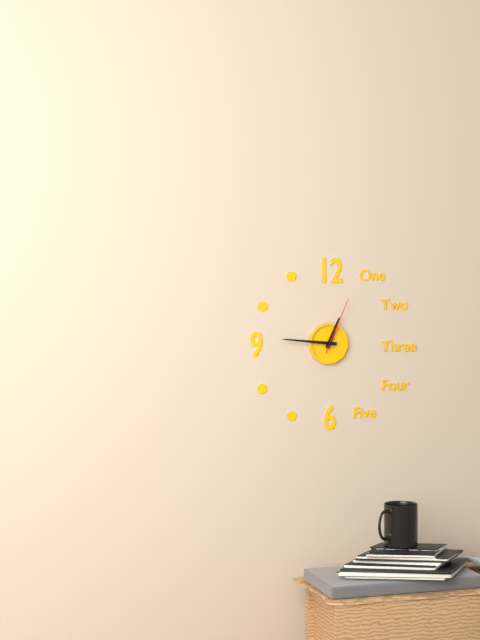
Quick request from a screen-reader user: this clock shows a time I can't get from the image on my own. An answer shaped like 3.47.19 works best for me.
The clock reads 12.46.04
